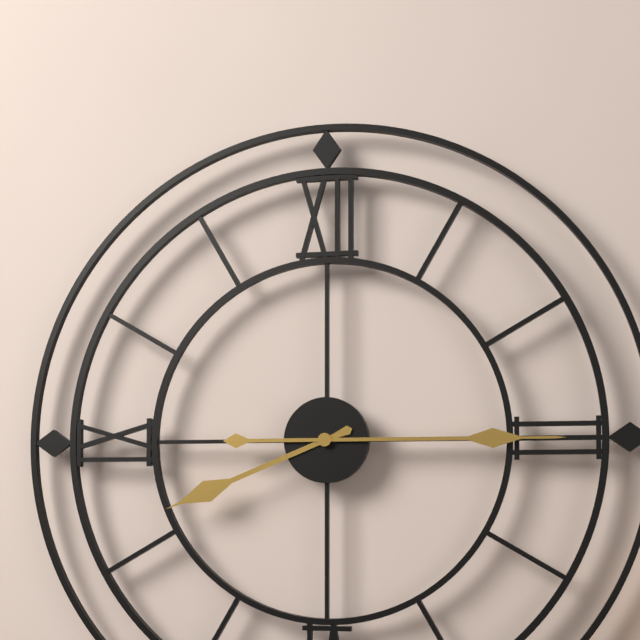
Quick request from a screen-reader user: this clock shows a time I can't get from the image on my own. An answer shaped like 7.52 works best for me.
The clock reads 8.15
